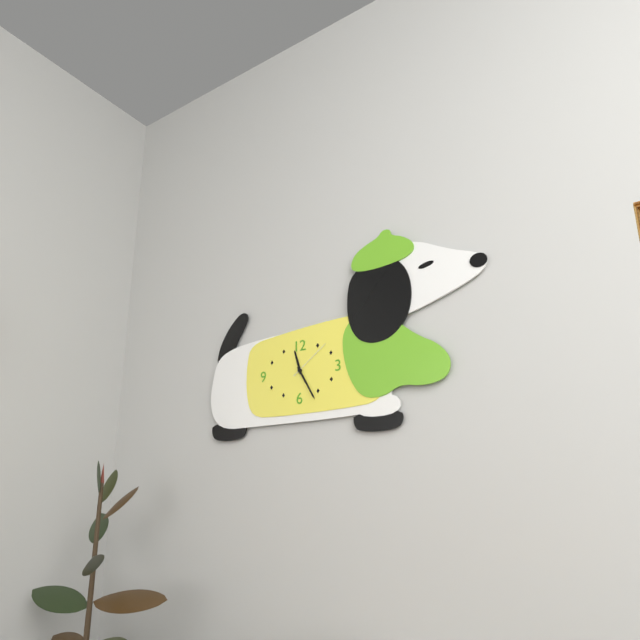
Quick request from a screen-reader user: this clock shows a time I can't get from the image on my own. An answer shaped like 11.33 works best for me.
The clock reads 11.25
